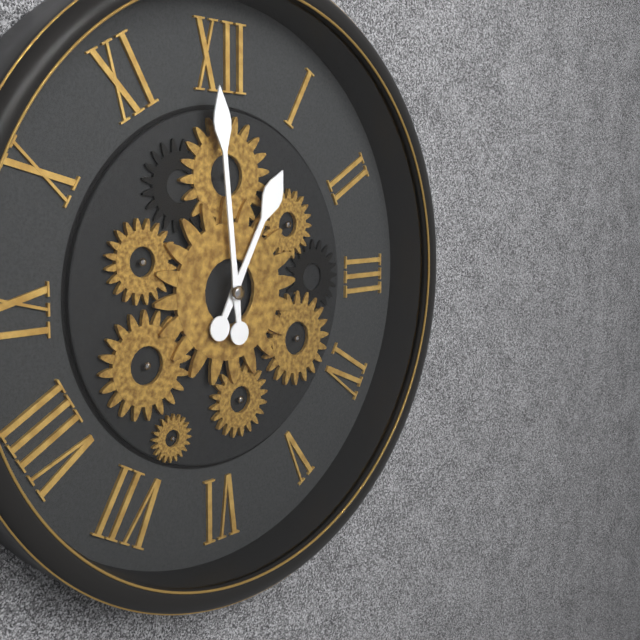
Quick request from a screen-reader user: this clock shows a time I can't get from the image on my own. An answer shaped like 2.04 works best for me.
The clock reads 12.59
